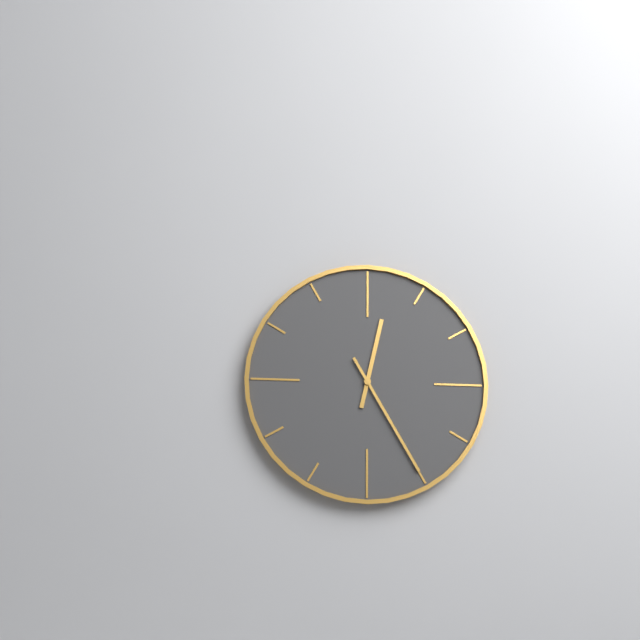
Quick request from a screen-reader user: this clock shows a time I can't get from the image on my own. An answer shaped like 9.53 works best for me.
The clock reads 12.25
